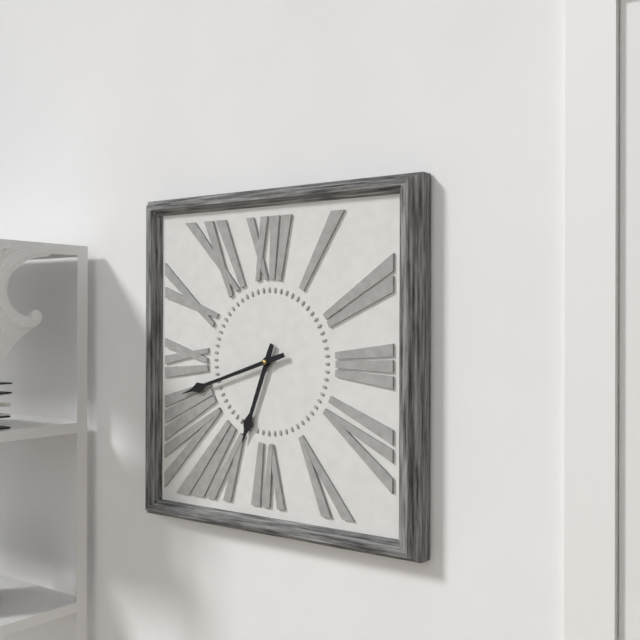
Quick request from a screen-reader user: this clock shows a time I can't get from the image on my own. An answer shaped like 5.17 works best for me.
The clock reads 6.42
